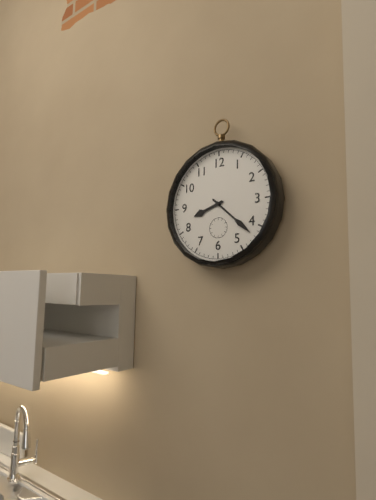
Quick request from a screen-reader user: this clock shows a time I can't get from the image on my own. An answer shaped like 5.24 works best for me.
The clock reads 8.22
